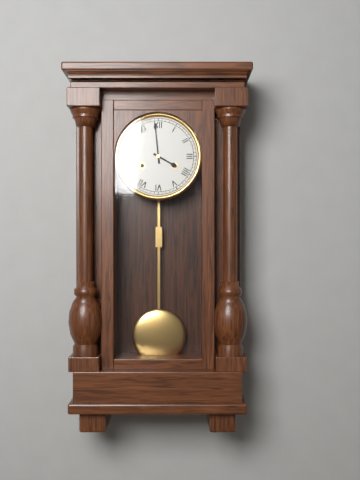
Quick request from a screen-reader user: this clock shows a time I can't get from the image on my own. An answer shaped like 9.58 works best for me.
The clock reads 3.59
